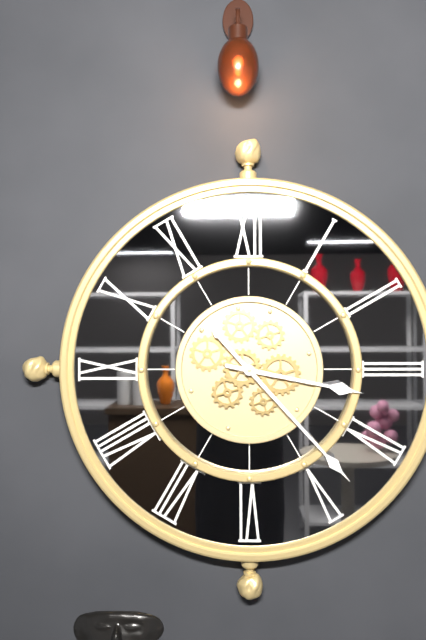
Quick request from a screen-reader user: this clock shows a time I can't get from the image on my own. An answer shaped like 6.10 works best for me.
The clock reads 3.23
